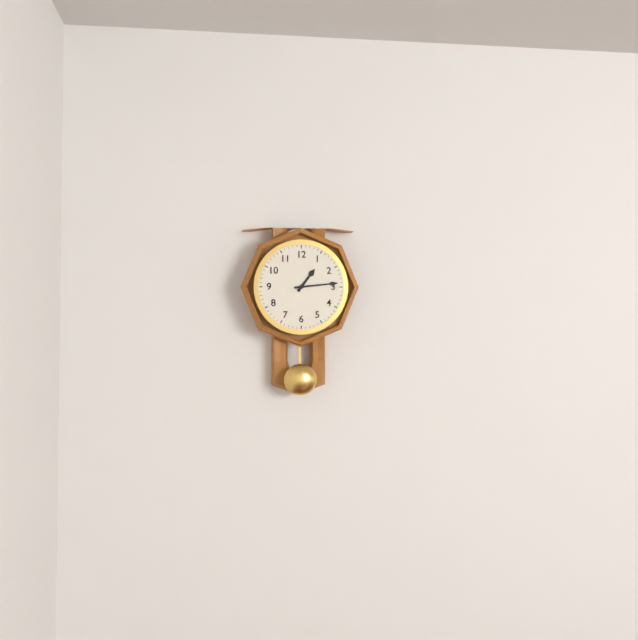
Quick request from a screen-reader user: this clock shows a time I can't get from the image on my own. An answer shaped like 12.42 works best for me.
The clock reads 1.14
